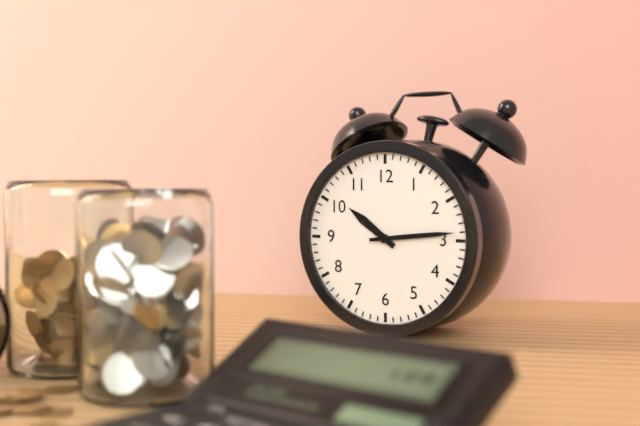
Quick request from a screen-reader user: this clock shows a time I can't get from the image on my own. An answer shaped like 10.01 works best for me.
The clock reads 10.14
